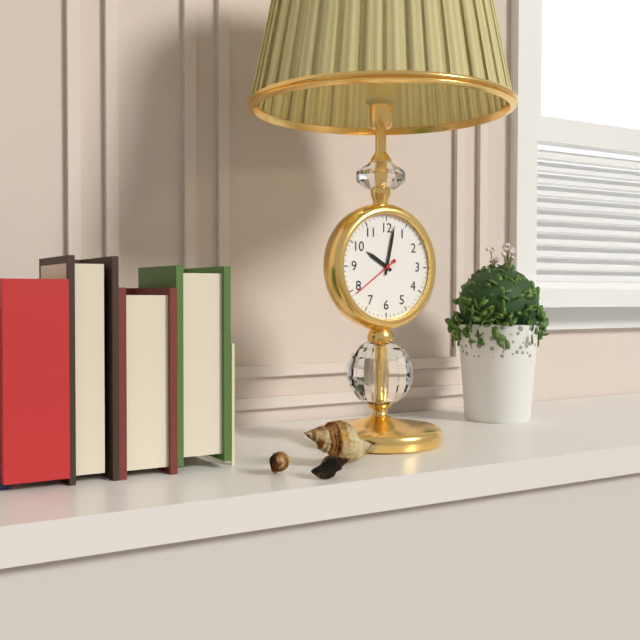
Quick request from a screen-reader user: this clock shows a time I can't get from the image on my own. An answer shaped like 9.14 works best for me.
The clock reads 10.02
